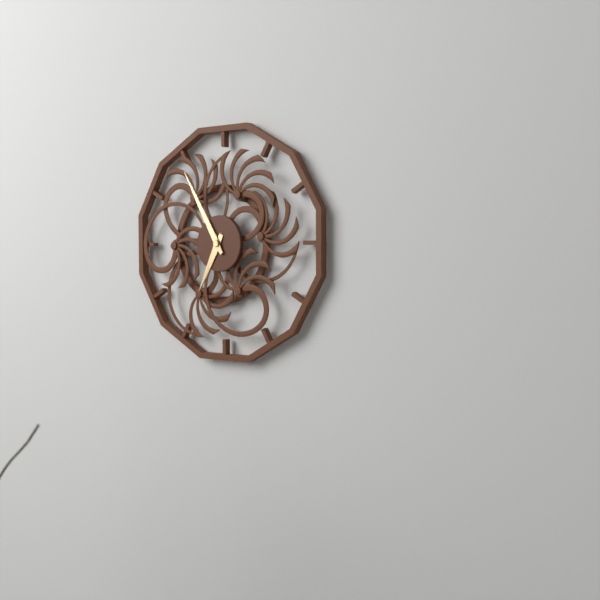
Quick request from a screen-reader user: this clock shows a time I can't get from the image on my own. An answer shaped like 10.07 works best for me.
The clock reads 6.55
